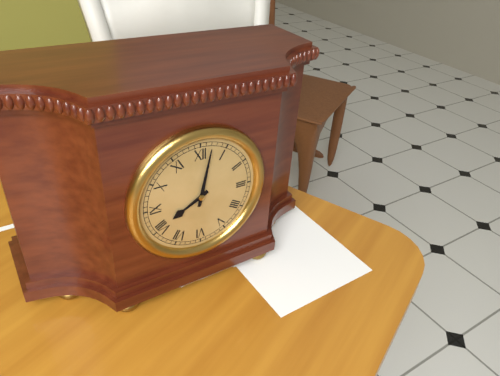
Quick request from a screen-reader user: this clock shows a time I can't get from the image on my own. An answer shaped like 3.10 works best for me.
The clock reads 8.02
